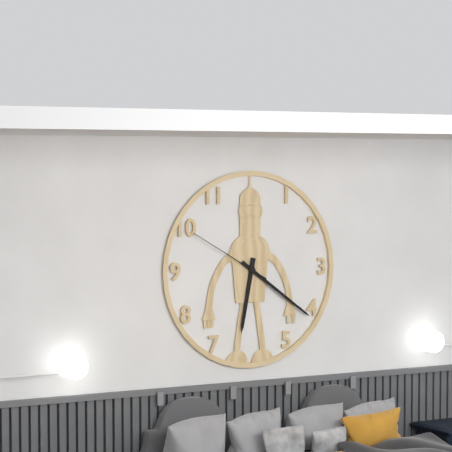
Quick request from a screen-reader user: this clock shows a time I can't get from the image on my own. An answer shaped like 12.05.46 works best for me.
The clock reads 6.21.50
